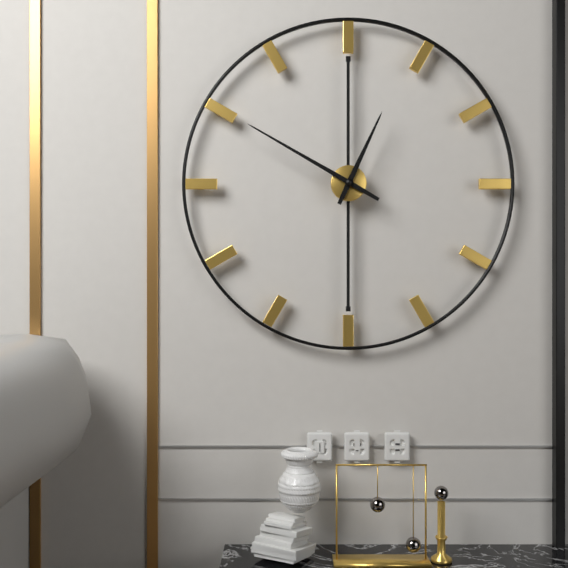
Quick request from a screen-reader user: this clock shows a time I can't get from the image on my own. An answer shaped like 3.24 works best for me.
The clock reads 12.50
